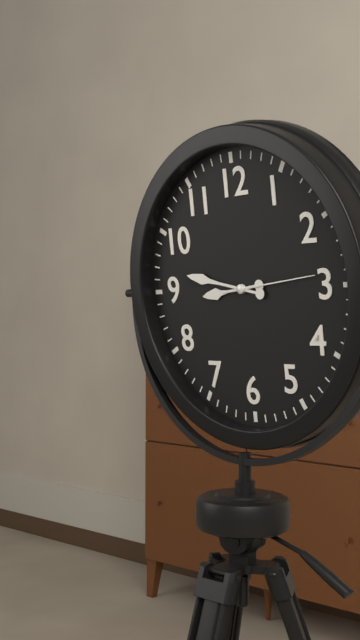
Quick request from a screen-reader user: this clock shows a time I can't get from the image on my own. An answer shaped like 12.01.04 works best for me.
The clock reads 8.47.14
